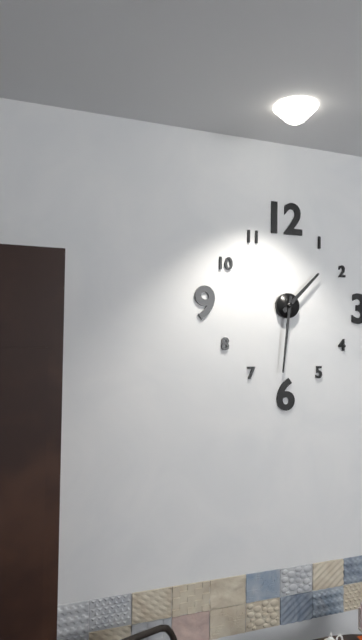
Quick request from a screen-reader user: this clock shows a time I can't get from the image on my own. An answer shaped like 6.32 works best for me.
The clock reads 1.31
